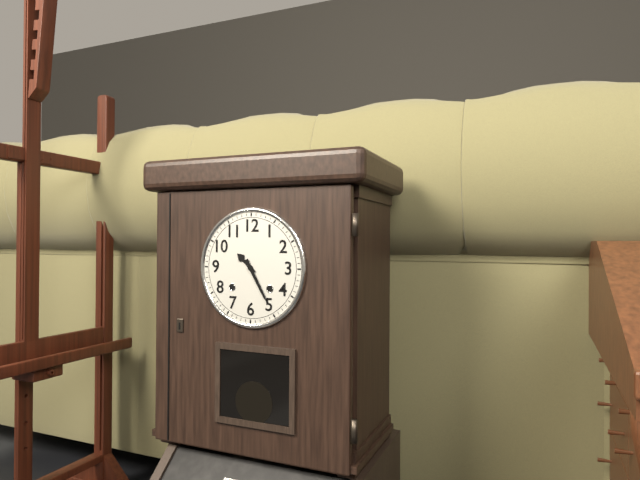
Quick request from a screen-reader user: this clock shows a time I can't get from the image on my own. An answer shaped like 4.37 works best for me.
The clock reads 10.25
